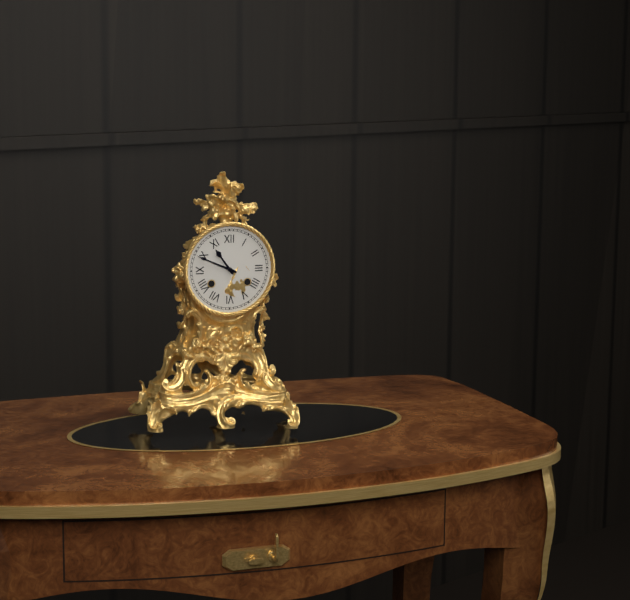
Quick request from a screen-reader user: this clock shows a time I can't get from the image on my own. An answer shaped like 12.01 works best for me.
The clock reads 10.49
